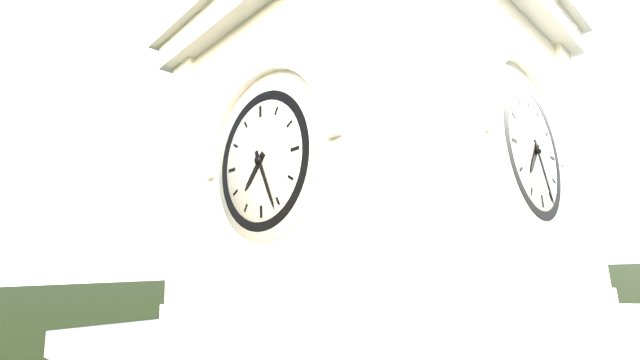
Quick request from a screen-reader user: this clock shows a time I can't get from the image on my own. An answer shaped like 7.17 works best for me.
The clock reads 7.26
